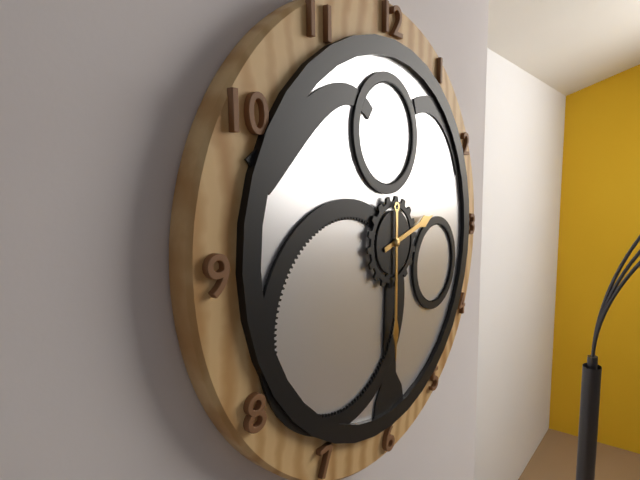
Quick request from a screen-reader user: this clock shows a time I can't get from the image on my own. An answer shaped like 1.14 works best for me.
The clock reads 2.30
